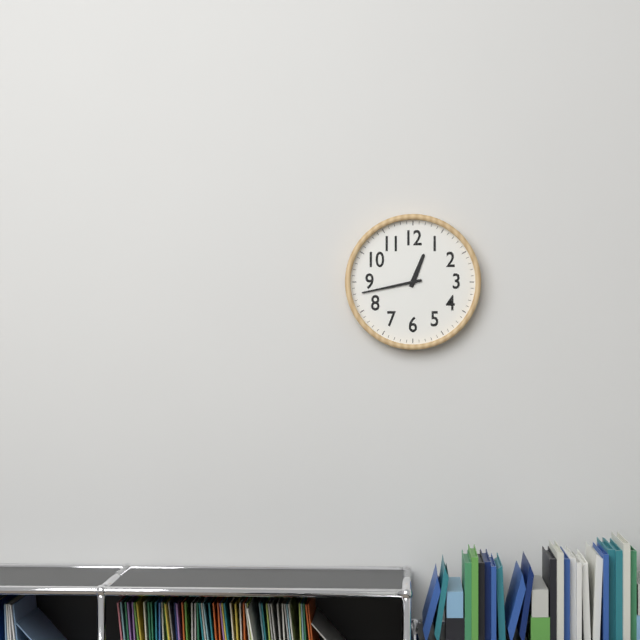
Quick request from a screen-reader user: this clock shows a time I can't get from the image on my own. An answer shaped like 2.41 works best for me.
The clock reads 12.43
